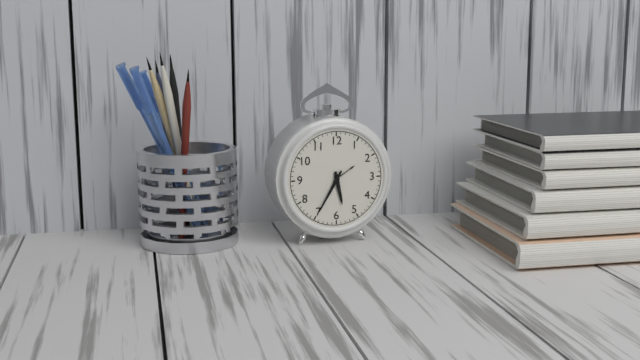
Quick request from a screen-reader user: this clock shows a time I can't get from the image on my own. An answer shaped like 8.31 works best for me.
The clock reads 5.35
